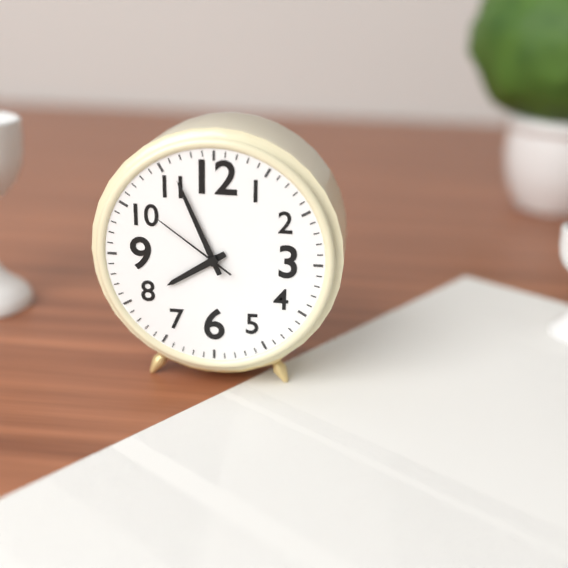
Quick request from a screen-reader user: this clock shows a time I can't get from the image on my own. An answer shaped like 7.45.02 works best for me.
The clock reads 7.56.51
